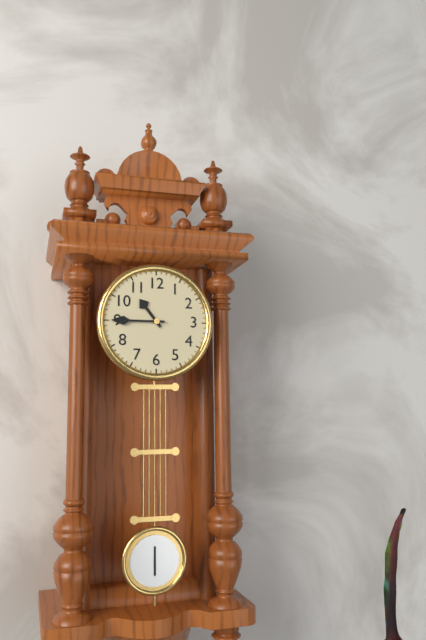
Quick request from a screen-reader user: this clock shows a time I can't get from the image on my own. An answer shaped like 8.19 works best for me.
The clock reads 10.45
